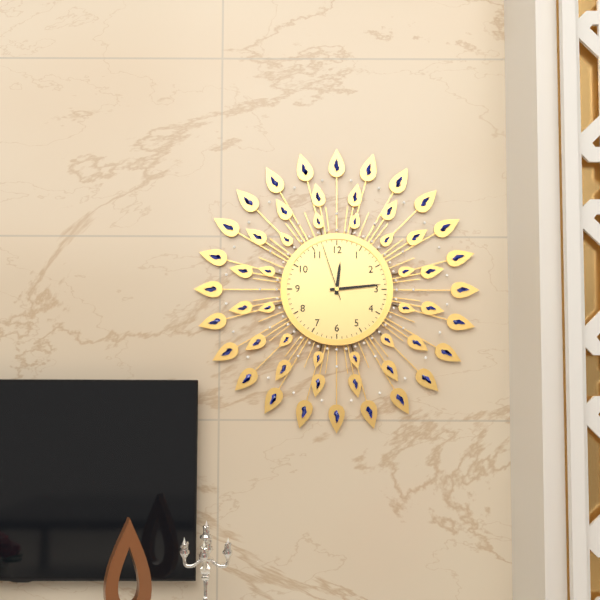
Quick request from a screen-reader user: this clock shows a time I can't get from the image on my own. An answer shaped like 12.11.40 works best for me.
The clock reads 12.14.57
